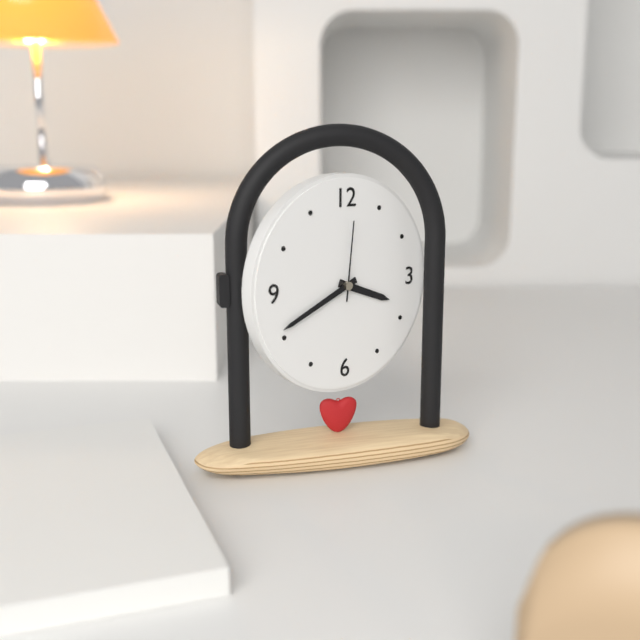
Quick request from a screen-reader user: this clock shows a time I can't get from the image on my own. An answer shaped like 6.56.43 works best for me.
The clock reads 3.41.01
